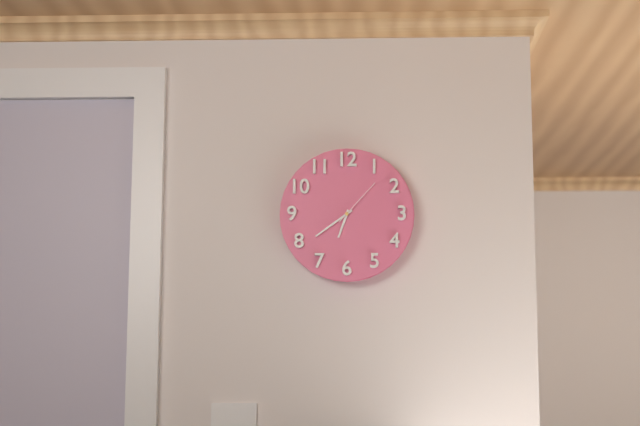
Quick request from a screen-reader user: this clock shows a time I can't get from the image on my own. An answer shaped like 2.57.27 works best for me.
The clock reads 6.39.07
